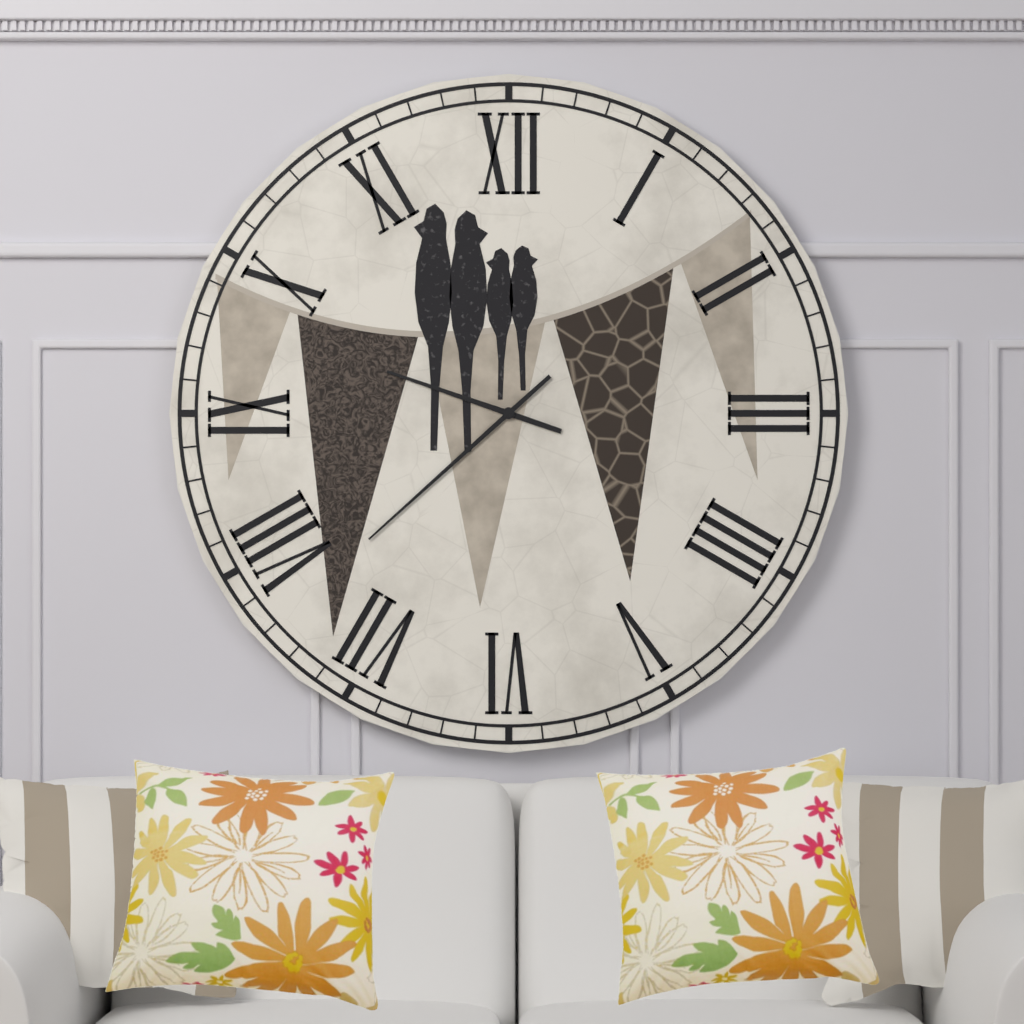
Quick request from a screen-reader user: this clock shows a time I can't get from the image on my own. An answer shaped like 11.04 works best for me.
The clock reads 9.38
